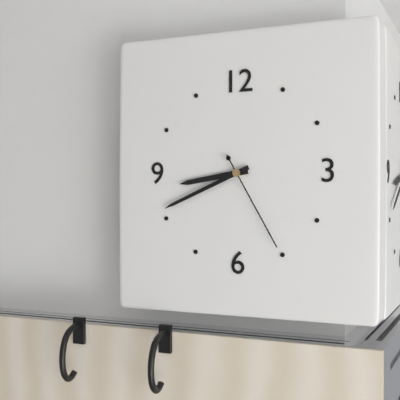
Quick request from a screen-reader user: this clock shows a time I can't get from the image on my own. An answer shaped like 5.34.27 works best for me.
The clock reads 8.41.25
